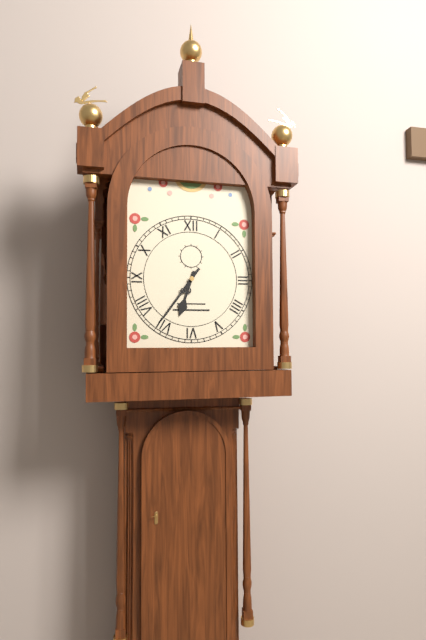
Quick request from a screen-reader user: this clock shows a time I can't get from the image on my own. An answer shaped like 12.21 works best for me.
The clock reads 6.36
